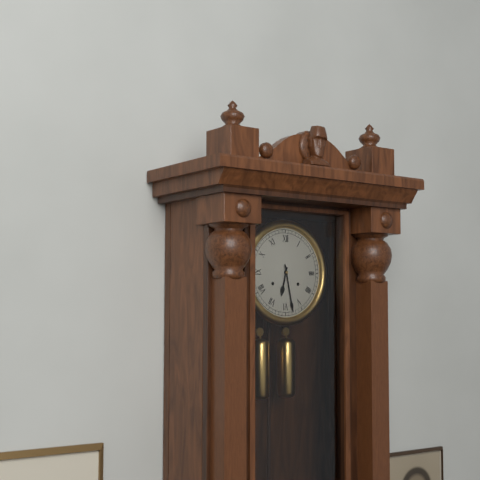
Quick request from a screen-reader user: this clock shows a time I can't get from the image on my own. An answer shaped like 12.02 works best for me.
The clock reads 6.28
